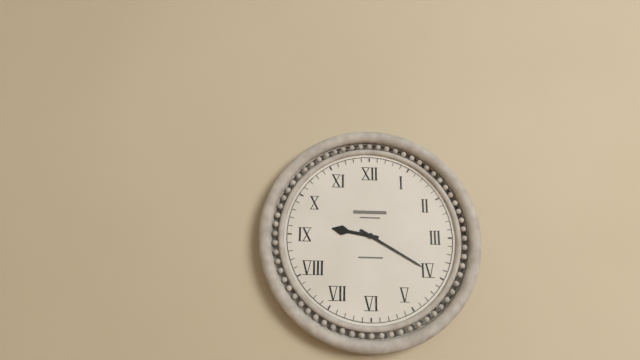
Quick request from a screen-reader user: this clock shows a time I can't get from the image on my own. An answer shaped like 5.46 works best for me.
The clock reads 9.20
